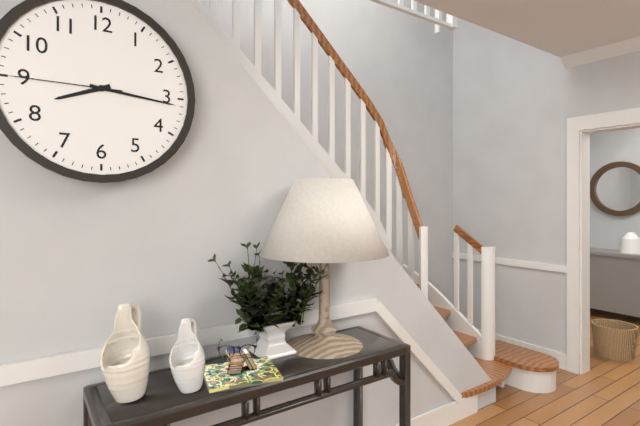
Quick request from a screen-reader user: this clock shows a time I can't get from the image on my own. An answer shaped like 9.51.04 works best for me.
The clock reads 8.16.45
